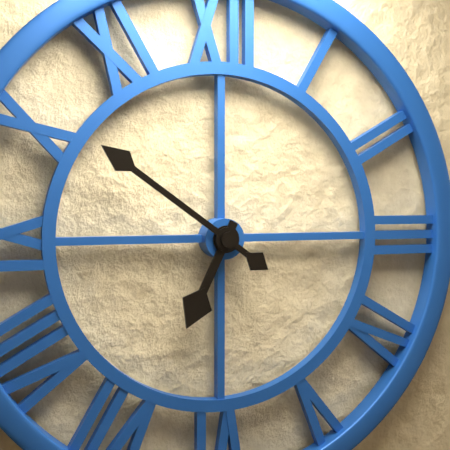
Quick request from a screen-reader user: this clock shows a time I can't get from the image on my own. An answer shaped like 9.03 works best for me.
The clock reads 6.51
